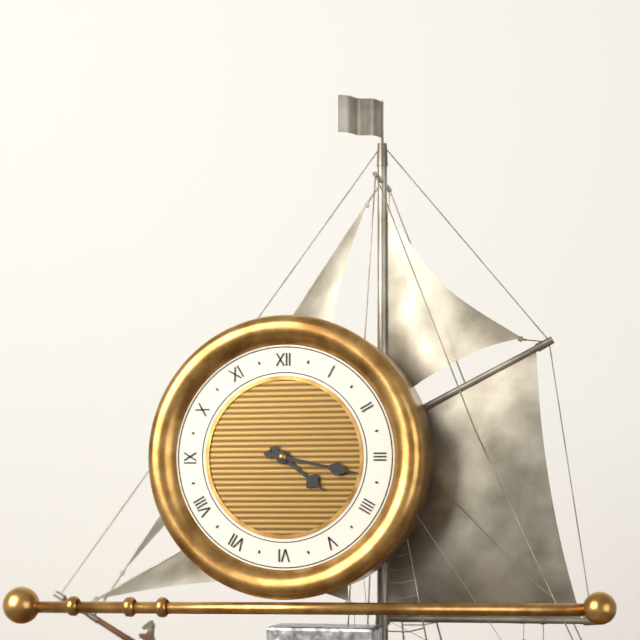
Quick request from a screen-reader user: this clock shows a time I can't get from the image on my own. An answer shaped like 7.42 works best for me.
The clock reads 4.17
